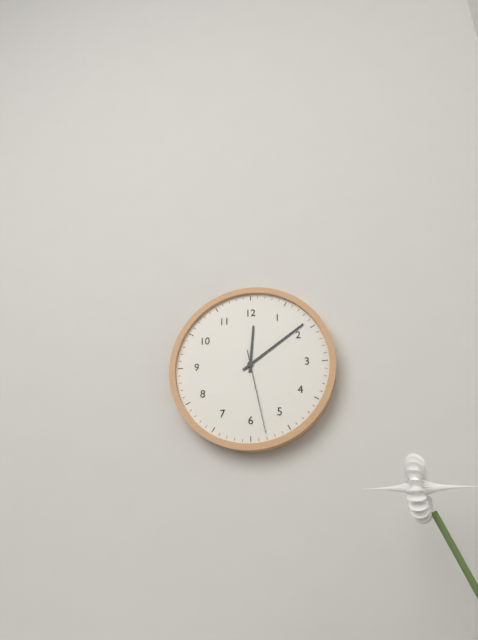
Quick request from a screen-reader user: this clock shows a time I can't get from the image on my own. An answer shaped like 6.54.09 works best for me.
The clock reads 12.09.28
